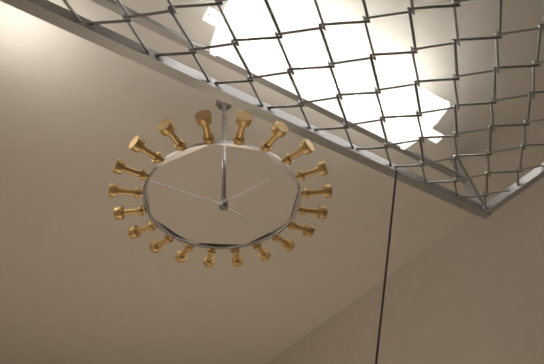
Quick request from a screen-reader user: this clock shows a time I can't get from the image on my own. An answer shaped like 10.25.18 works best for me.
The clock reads 12.45.17
